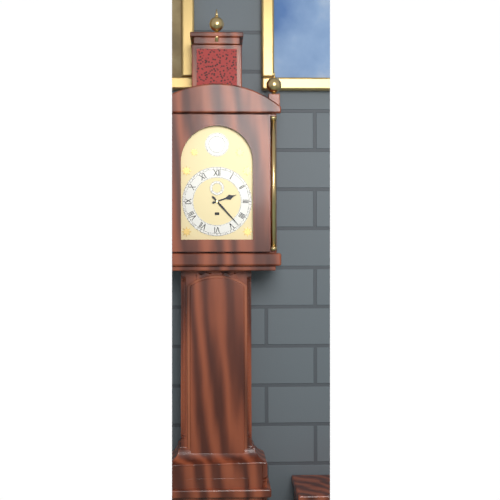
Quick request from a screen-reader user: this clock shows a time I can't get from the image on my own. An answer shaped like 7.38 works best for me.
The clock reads 2.23
